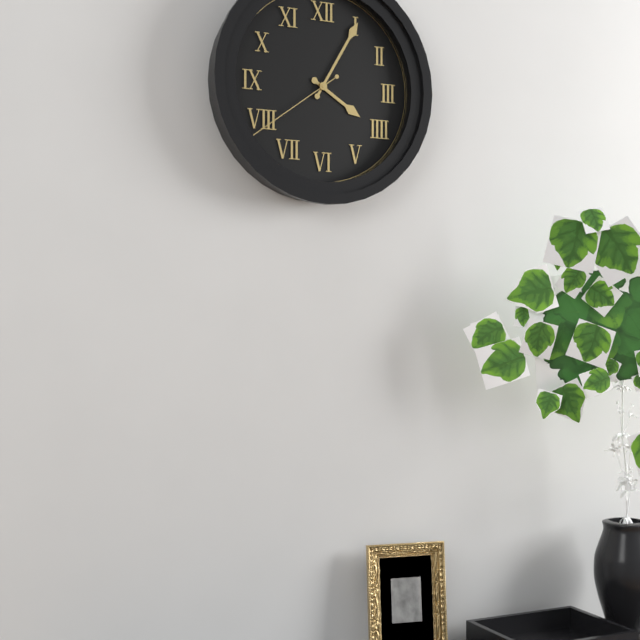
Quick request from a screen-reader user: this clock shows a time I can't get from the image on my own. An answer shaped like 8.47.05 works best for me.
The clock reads 4.05.39
